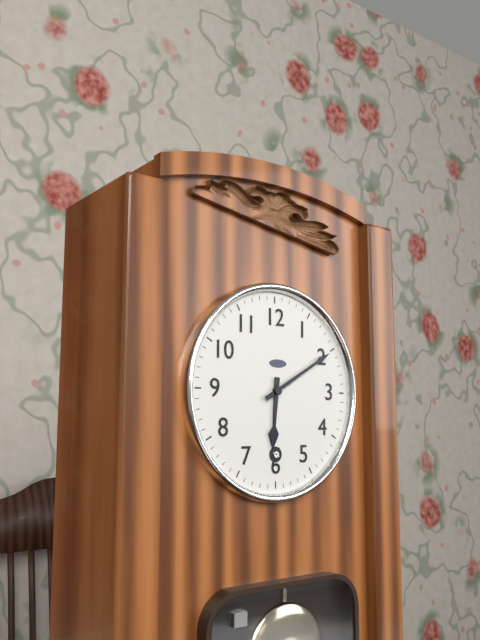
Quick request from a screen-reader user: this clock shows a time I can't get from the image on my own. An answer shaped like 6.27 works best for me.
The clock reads 6.10
